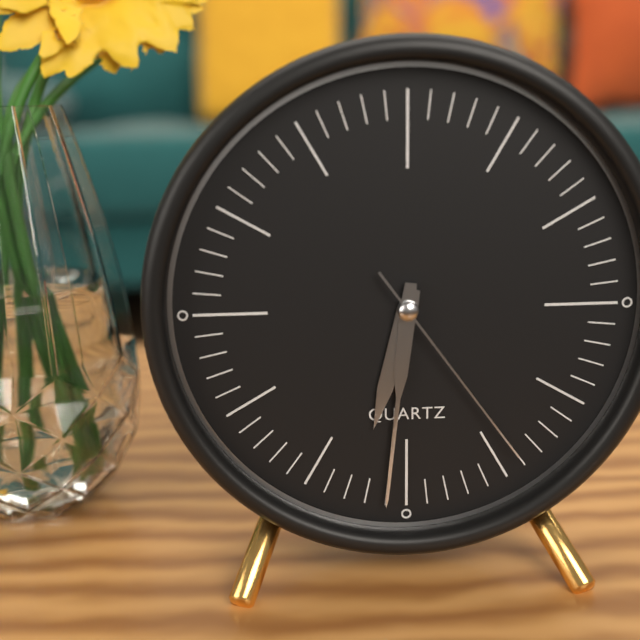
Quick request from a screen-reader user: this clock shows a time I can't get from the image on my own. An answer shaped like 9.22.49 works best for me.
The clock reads 6.31.24
